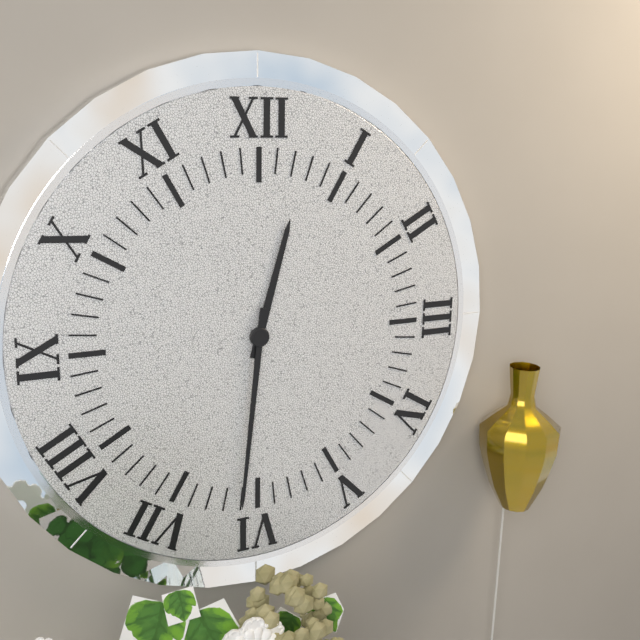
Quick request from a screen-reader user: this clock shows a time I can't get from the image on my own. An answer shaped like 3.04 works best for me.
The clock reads 12.31
